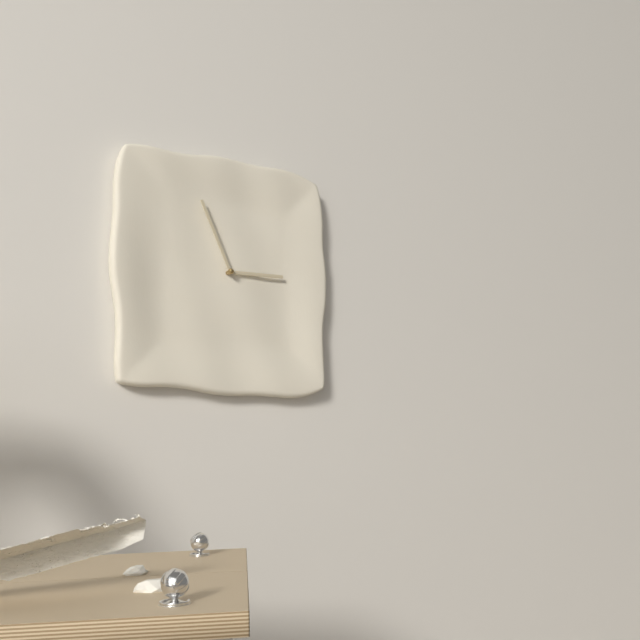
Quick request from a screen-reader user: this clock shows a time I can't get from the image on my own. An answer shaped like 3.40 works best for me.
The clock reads 2.56
